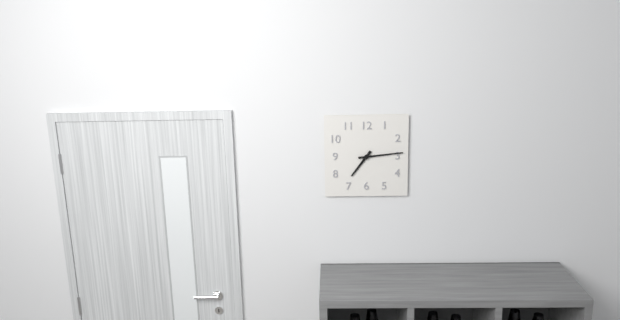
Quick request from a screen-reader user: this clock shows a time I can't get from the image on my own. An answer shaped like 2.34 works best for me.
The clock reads 7.14
